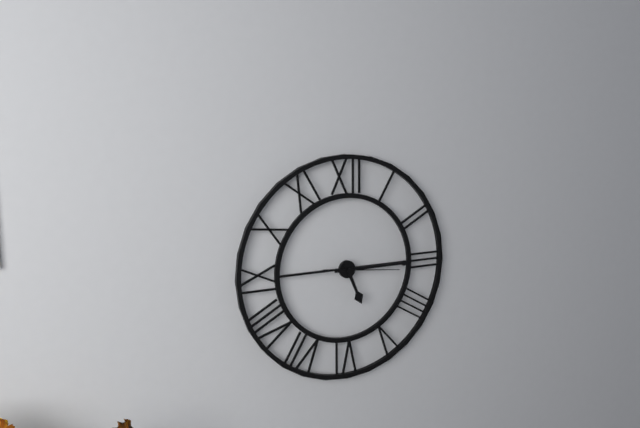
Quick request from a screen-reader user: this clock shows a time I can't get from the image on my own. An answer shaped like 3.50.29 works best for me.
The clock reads 5.15.16
